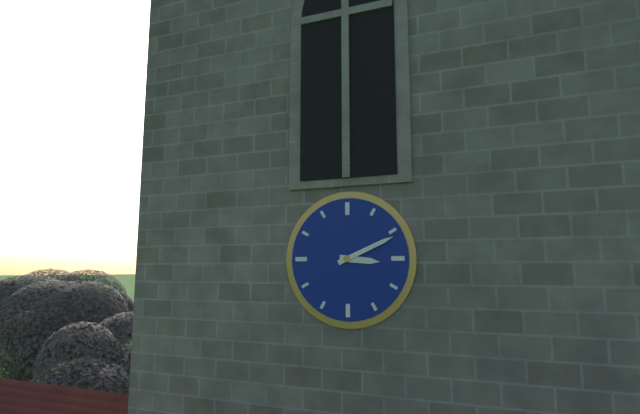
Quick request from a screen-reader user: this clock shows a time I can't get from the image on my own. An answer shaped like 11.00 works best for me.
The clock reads 3.11
